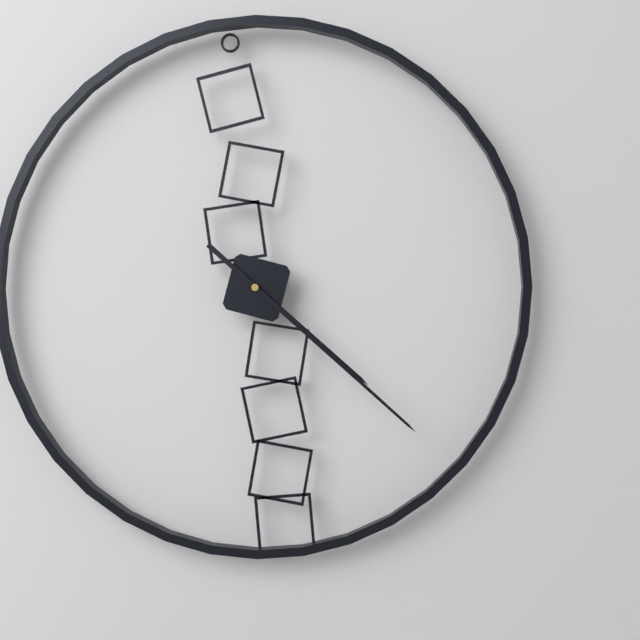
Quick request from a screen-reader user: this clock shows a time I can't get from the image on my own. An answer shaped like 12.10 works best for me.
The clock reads 4.22
